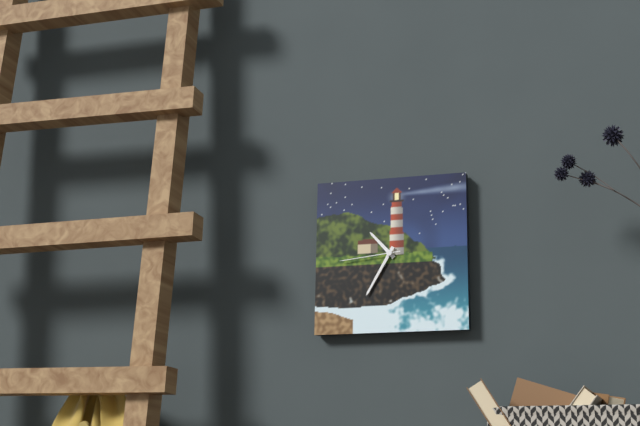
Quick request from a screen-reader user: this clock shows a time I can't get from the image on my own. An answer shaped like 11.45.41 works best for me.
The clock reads 10.35.44
